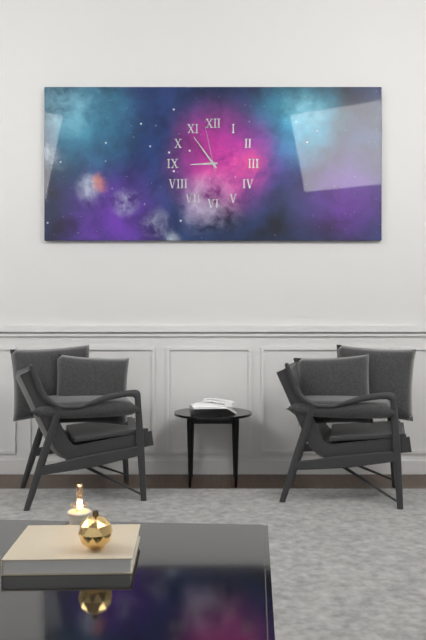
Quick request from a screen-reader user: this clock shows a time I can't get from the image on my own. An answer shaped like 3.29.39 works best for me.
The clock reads 8.54.58
